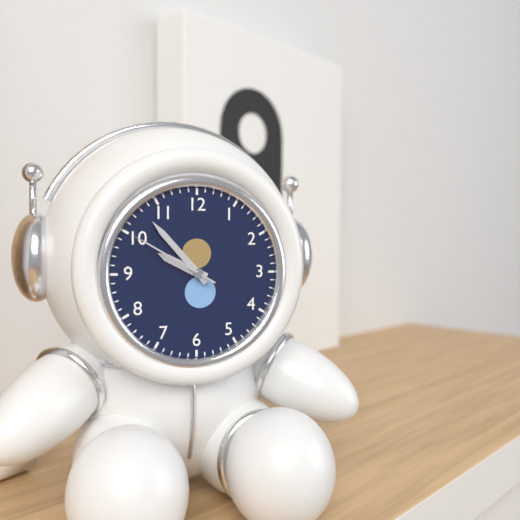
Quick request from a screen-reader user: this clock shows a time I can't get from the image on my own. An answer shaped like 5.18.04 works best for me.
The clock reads 9.53.50
